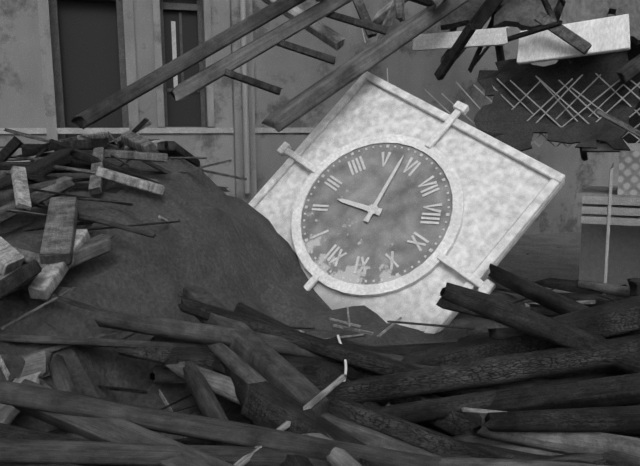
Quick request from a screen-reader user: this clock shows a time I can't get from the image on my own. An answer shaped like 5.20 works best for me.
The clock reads 2.28
